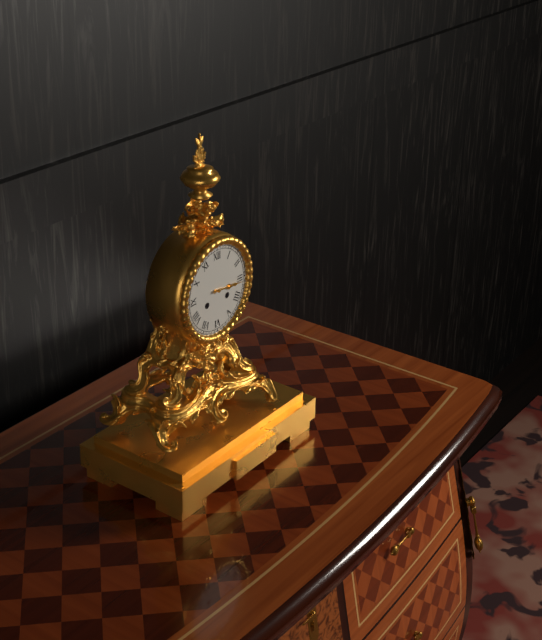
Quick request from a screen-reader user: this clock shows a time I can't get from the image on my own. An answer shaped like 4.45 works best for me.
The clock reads 3.16
